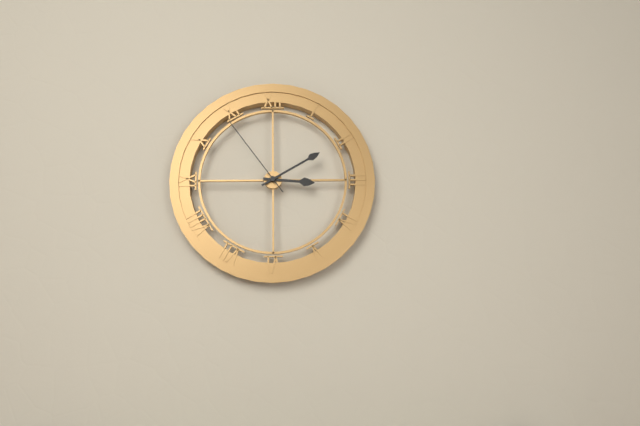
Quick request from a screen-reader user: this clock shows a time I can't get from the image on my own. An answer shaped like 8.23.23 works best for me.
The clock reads 3.10.54
